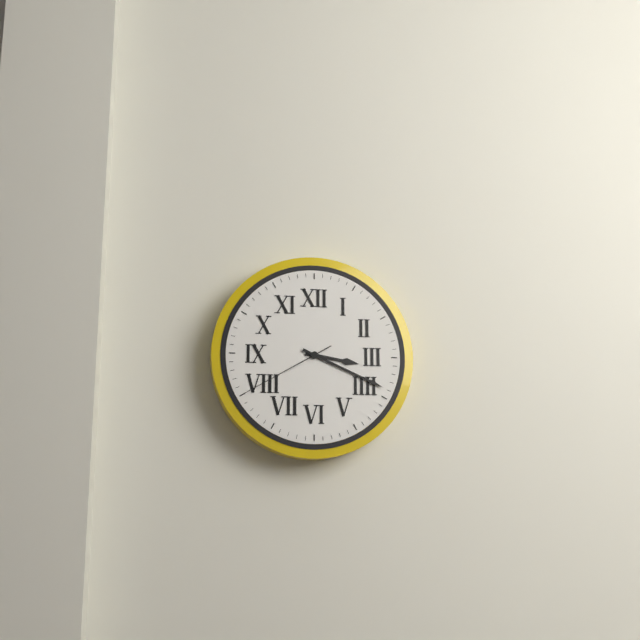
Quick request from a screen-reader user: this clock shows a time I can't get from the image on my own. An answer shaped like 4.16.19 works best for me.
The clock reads 3.19.40
